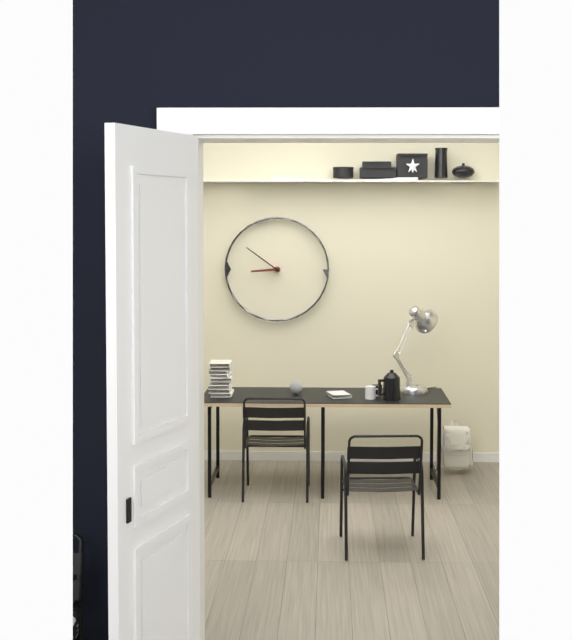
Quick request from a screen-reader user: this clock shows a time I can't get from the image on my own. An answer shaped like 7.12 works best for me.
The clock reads 8.51
